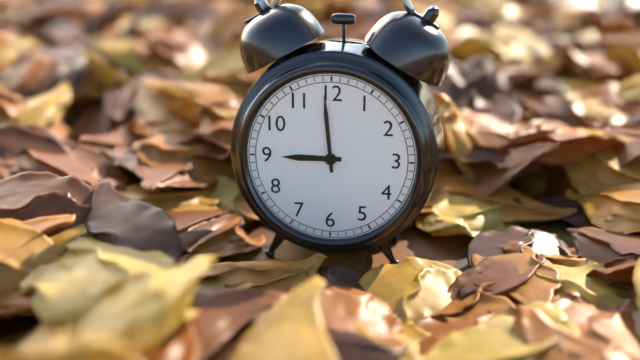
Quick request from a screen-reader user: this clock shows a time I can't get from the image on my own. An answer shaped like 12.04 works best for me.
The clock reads 8.59
